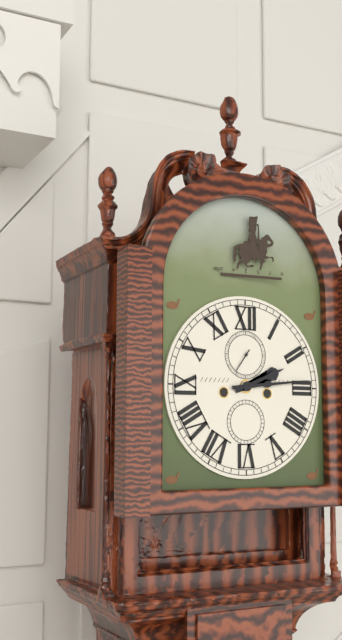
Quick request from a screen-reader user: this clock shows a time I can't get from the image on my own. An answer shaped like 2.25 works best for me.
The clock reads 2.14
